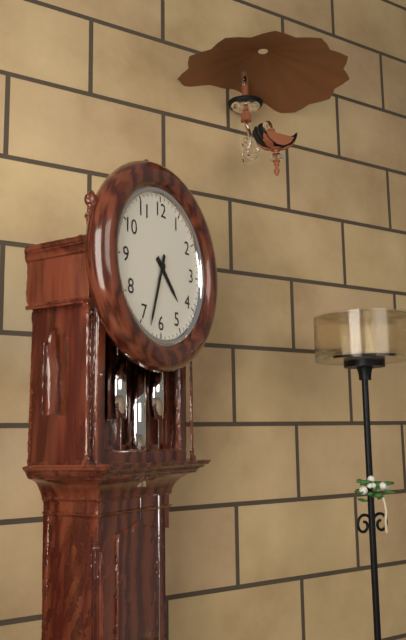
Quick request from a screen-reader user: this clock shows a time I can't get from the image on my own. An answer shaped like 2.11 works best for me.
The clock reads 4.33
